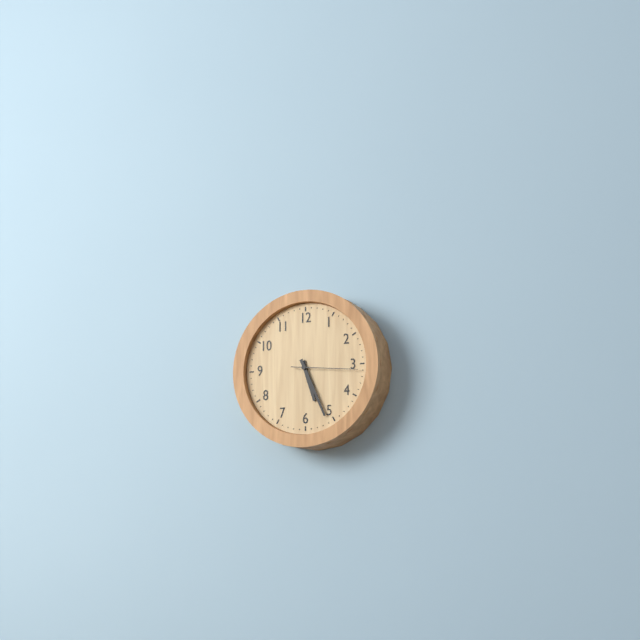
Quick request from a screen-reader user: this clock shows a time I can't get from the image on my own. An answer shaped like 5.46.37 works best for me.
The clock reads 5.26.16
